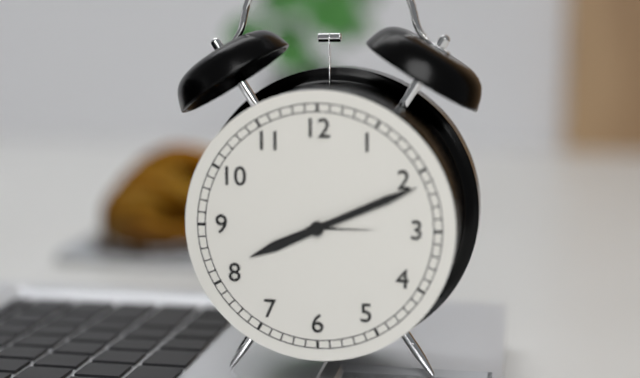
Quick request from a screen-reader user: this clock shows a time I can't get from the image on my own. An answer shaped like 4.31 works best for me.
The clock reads 8.11
